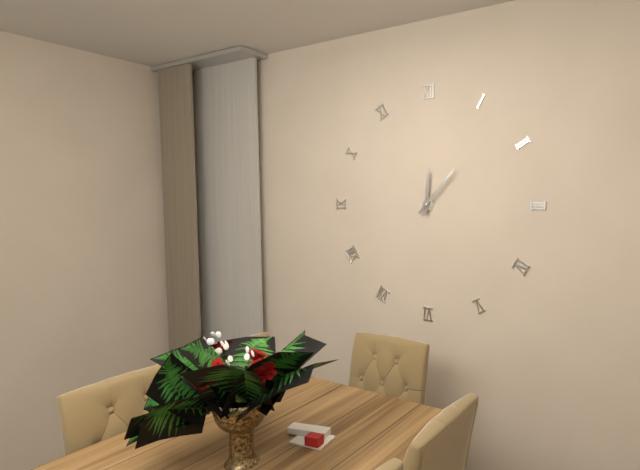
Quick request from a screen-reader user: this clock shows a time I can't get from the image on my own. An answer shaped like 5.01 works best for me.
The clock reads 12.07
